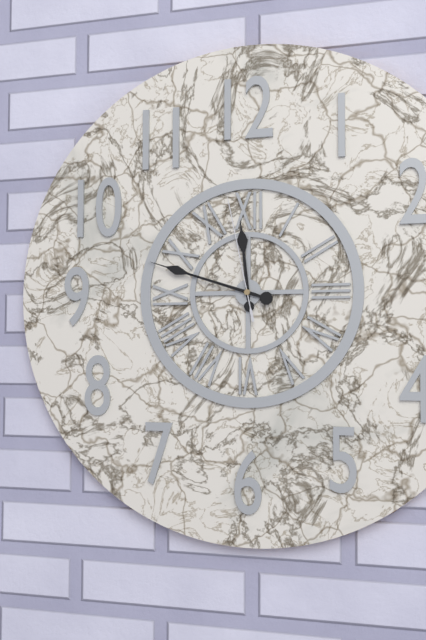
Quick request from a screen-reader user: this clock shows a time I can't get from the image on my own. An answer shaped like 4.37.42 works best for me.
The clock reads 11.48.58
